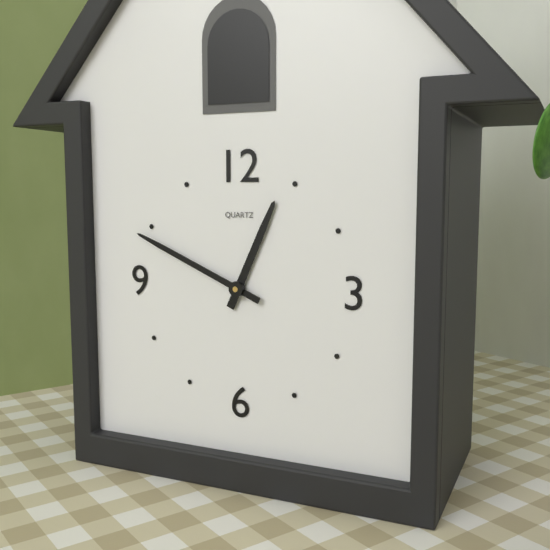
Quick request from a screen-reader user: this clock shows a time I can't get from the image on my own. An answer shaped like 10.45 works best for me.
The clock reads 12.49
